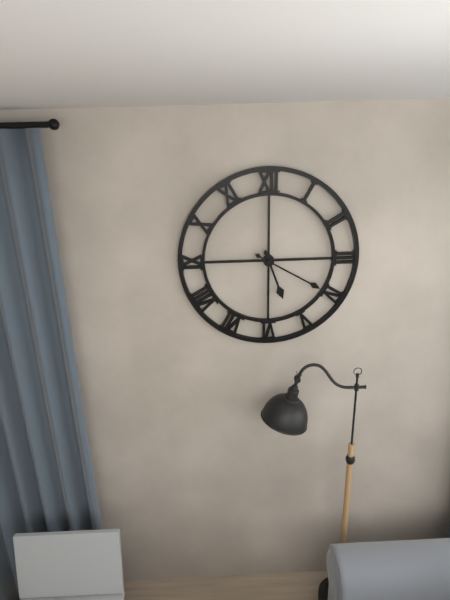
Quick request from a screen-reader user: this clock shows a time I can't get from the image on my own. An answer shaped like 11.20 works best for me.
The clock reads 5.20
